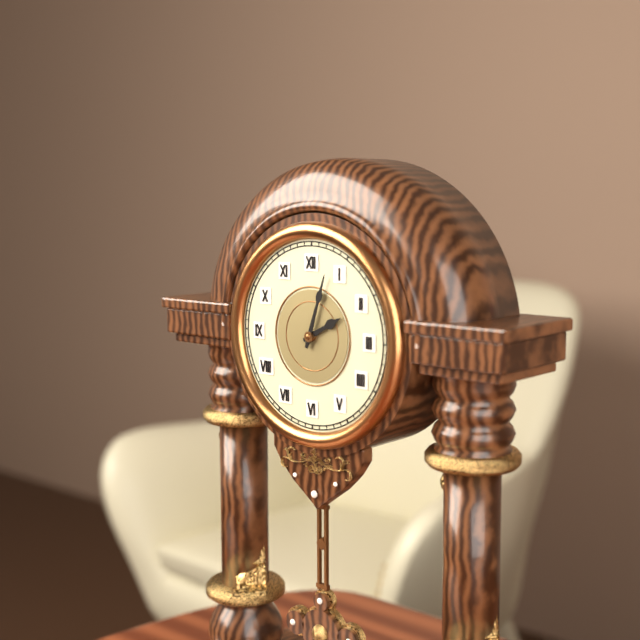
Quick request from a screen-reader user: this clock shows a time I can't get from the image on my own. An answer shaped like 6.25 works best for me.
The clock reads 2.03
